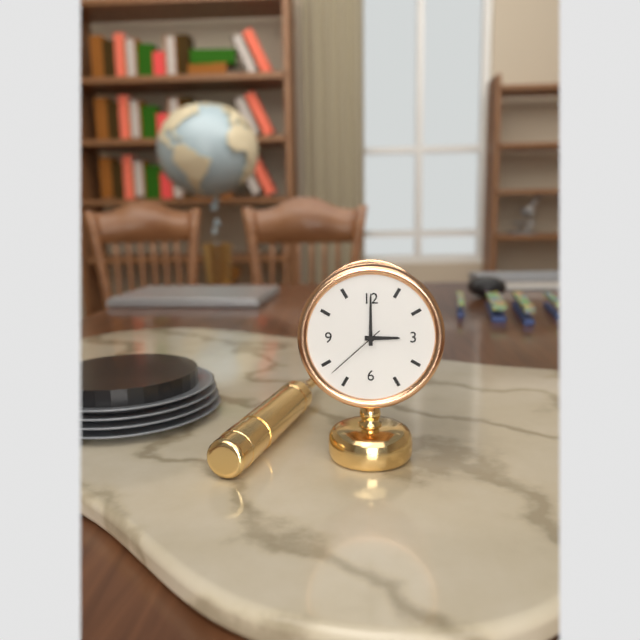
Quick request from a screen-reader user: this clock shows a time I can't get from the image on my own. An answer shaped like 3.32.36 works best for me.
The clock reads 3.00.38
